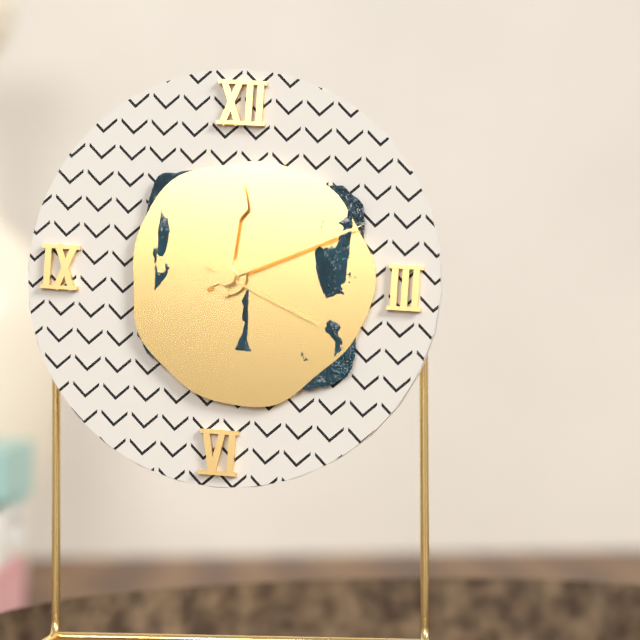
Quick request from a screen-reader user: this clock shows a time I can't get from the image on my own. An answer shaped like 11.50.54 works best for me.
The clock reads 12.11.19
